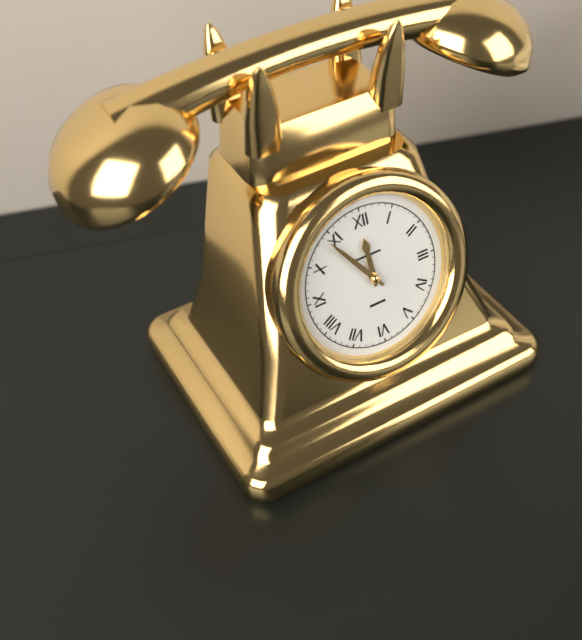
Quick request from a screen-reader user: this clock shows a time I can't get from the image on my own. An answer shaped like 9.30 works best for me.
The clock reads 11.54
